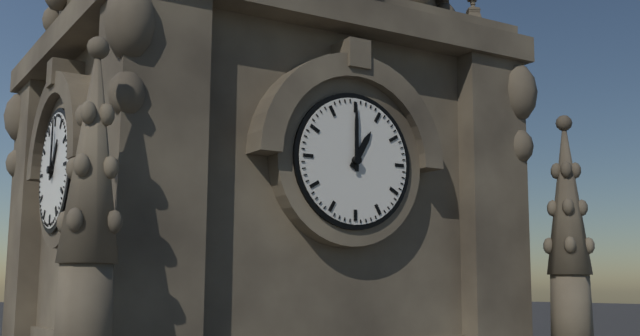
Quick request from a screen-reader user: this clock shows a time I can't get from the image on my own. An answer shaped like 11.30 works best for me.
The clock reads 1.00
